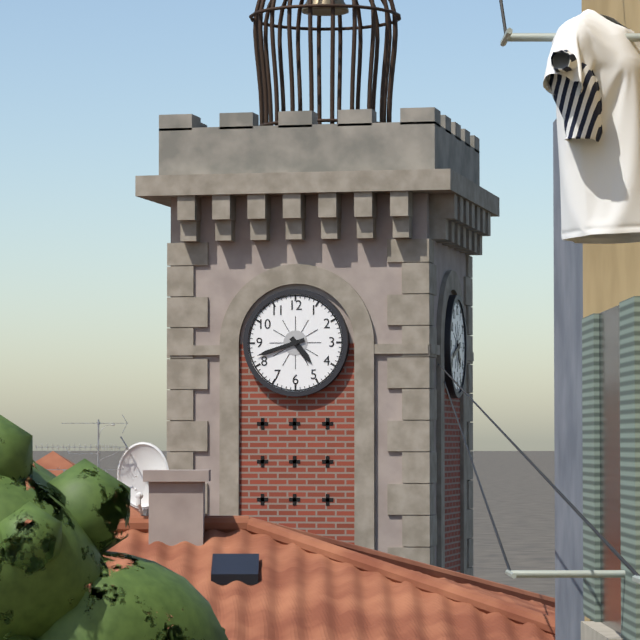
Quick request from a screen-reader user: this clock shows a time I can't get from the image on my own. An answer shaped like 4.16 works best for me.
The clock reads 4.42
